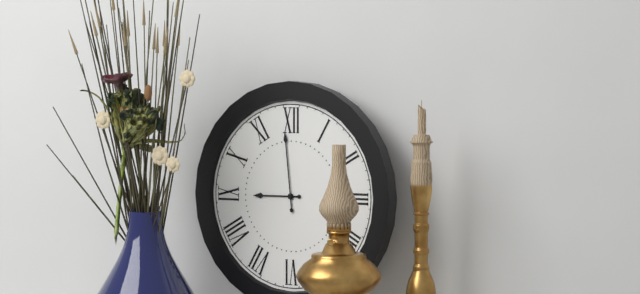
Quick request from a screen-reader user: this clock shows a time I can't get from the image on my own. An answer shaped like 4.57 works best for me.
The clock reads 8.59
